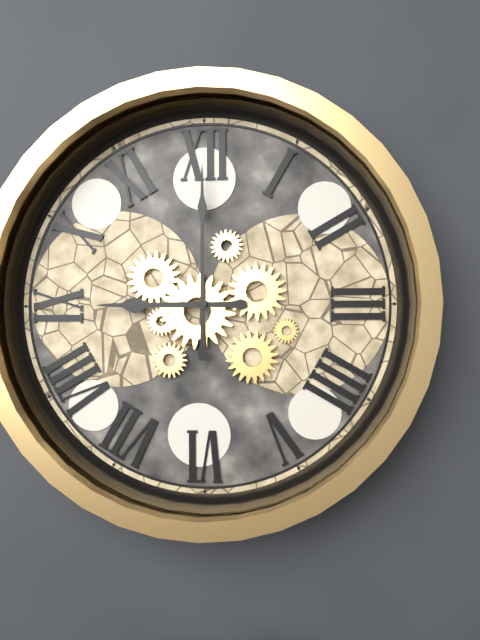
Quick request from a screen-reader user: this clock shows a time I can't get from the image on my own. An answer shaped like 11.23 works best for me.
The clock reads 9.00
